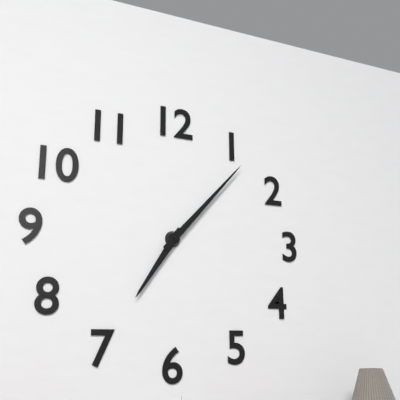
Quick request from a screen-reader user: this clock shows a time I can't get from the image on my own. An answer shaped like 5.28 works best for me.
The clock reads 7.07
